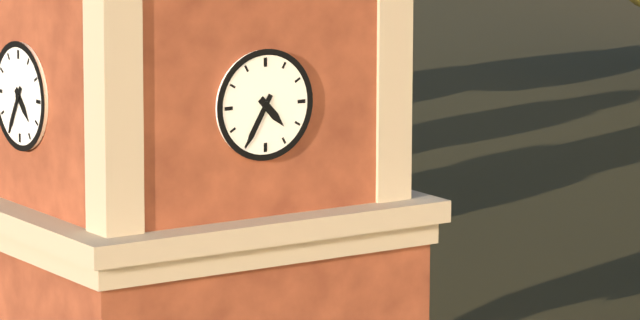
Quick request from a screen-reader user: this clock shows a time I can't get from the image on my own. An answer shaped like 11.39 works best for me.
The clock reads 4.35
